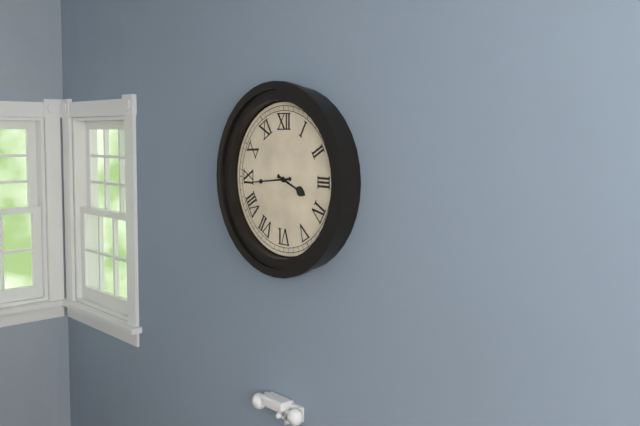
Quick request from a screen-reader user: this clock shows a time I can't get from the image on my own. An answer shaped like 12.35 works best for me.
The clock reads 3.44
